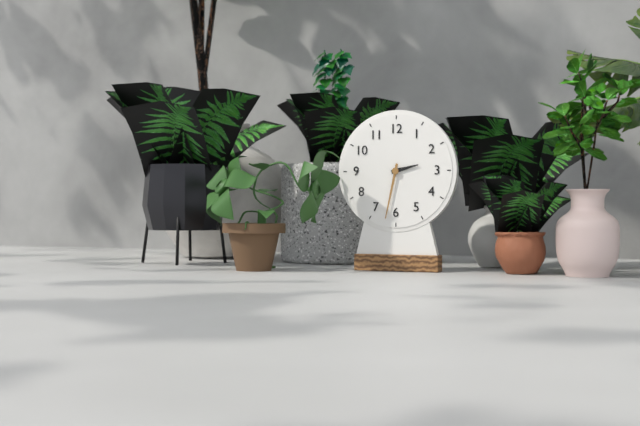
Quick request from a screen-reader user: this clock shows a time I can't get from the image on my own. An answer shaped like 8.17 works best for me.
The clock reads 2.32
